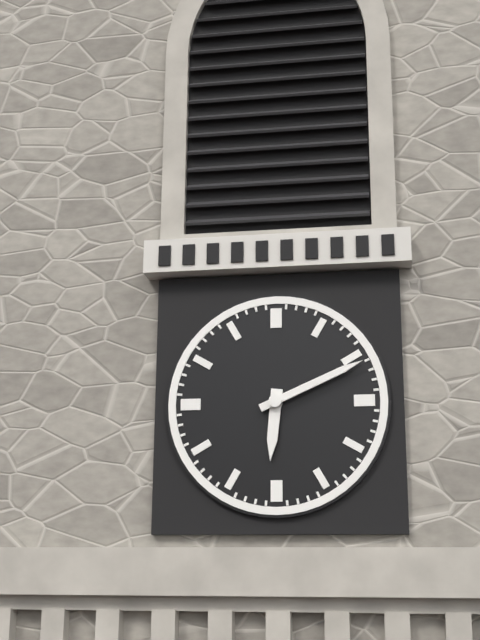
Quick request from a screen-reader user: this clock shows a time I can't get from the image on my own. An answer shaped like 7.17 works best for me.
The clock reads 6.11
